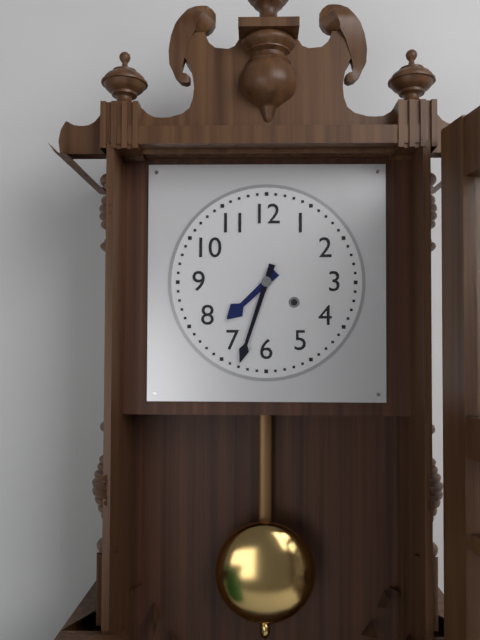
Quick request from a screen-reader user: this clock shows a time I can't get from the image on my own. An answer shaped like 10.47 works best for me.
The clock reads 7.33
